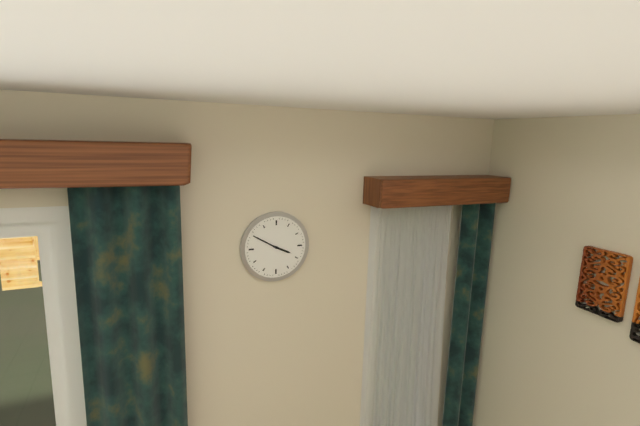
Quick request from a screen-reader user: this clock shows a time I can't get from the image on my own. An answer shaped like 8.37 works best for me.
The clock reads 3.50
